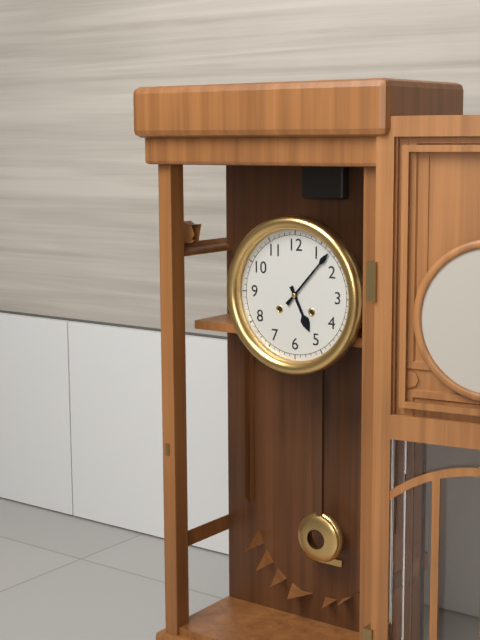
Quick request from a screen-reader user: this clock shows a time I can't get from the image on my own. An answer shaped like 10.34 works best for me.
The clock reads 5.07
